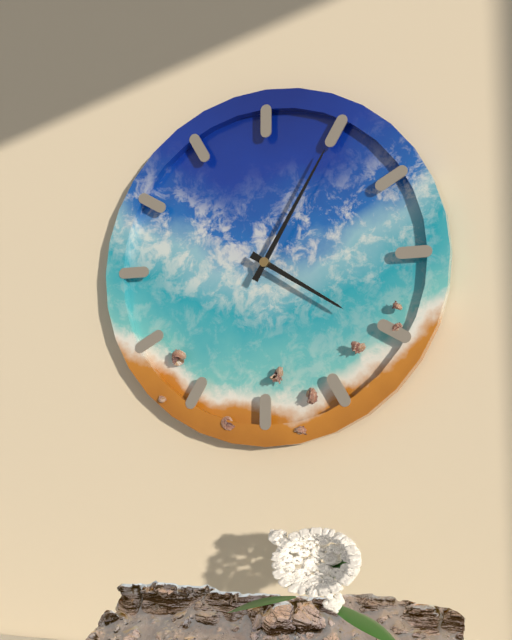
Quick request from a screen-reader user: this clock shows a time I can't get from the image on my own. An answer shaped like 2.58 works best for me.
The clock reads 4.05
